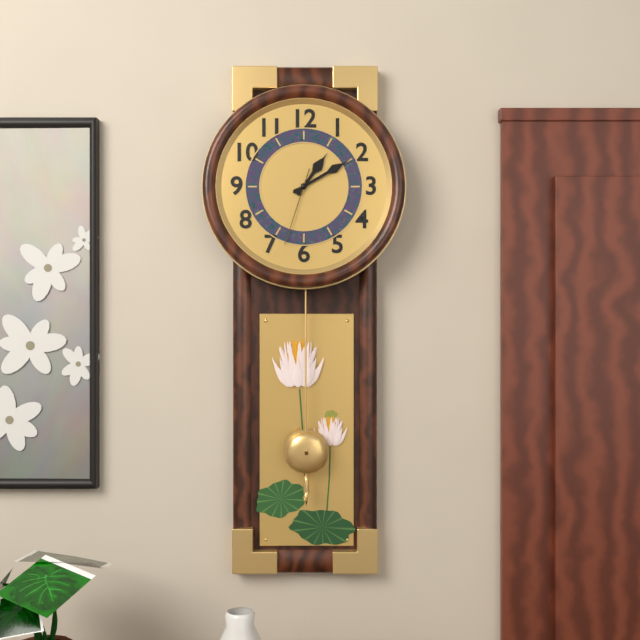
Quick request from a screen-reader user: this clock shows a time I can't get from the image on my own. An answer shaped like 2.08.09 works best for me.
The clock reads 1.10.33
